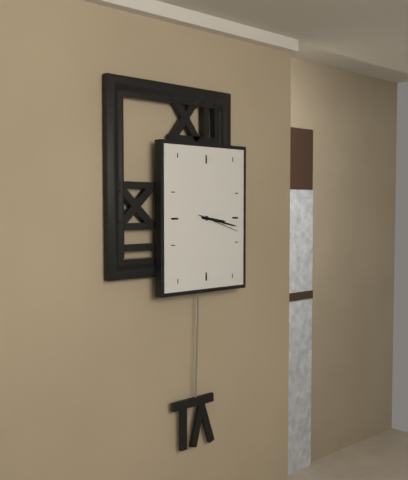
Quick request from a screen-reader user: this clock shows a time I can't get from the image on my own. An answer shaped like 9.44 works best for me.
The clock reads 3.17
